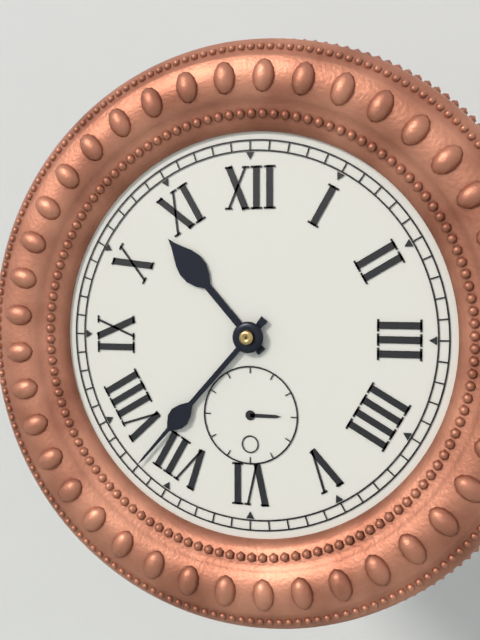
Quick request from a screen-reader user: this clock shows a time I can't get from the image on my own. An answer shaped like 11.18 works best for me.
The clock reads 10.37
